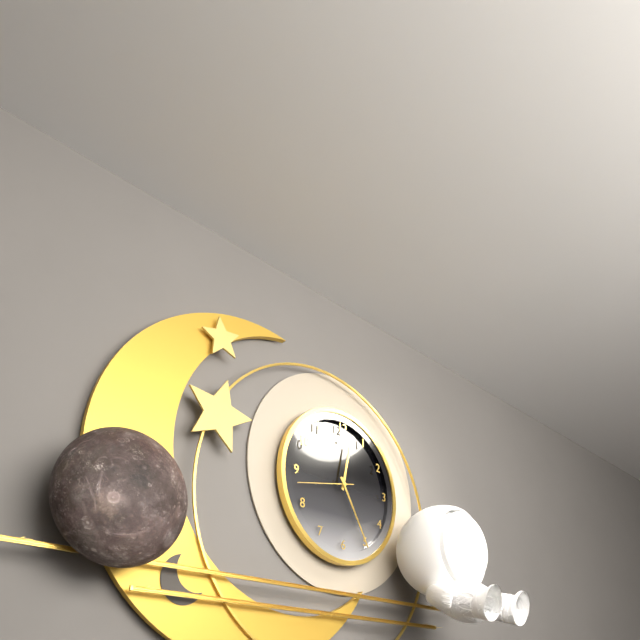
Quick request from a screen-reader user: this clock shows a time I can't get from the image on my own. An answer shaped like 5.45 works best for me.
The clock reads 12.25
